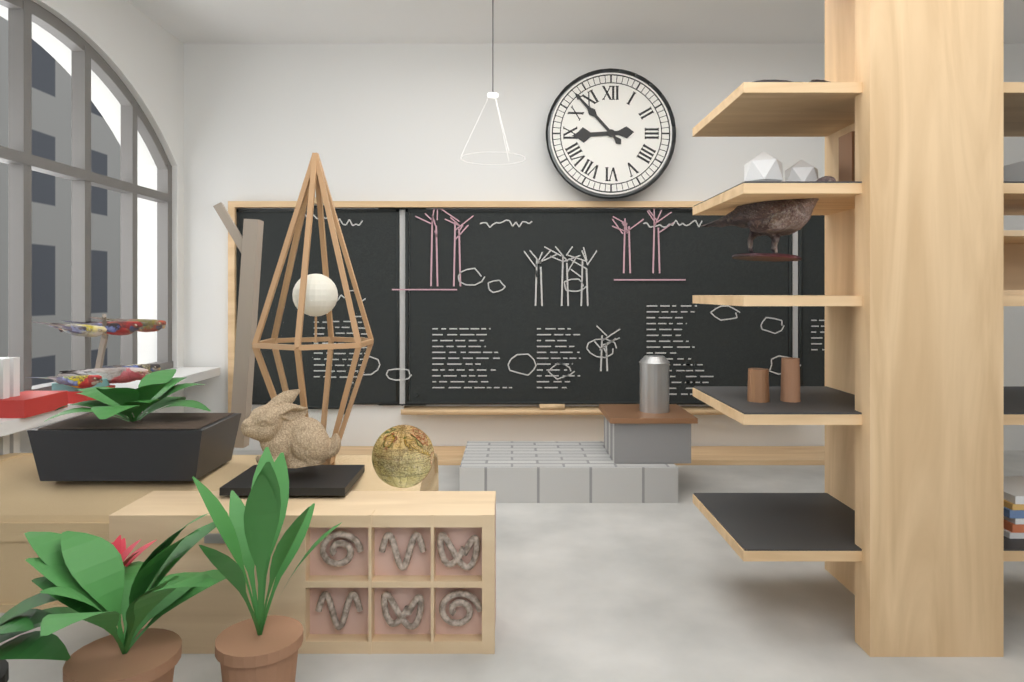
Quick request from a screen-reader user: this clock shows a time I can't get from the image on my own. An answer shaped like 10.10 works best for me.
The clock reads 8.53
